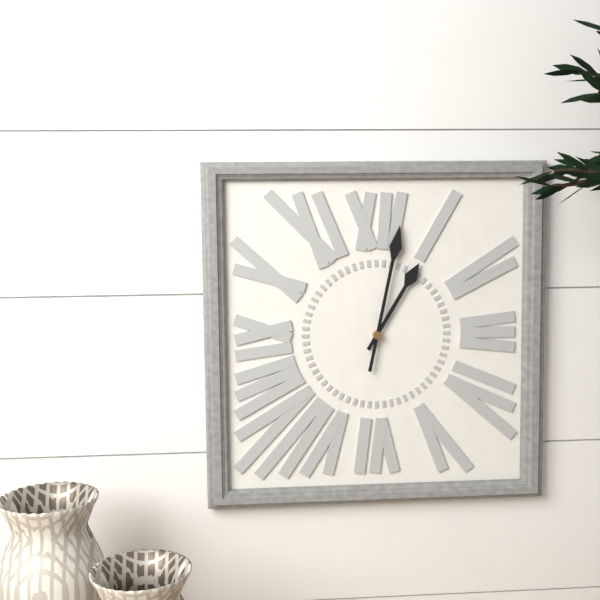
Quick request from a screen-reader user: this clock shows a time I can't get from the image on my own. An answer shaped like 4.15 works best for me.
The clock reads 1.02
